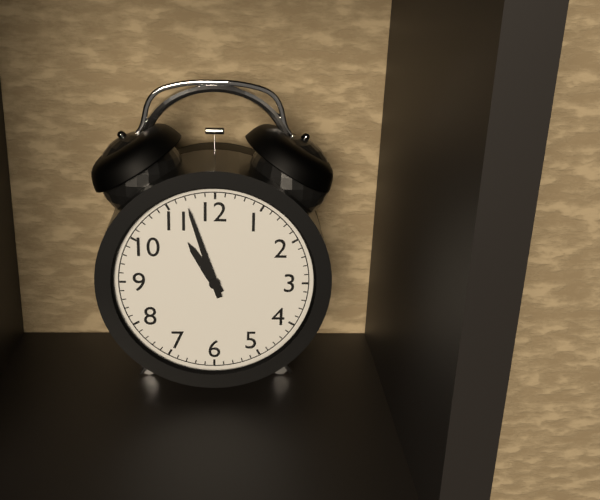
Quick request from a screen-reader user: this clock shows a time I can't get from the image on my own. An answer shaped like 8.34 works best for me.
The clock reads 10.57
